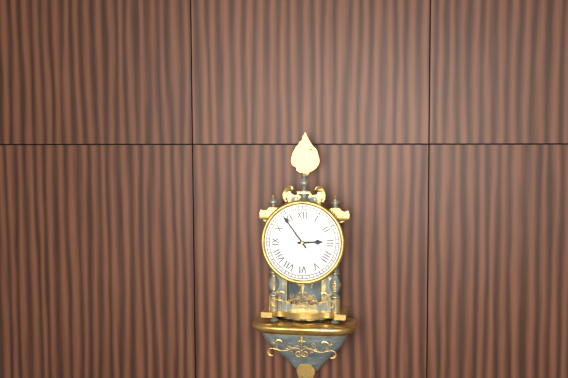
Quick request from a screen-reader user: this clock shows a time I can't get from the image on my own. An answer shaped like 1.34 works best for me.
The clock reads 2.54
